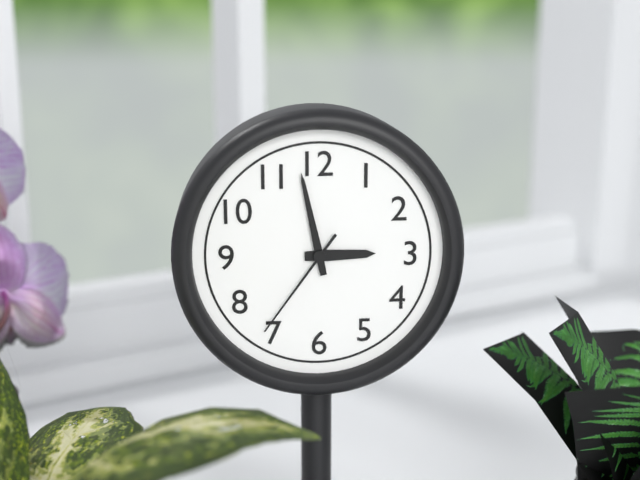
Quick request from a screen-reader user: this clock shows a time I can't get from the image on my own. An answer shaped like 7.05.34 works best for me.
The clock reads 2.58.36
